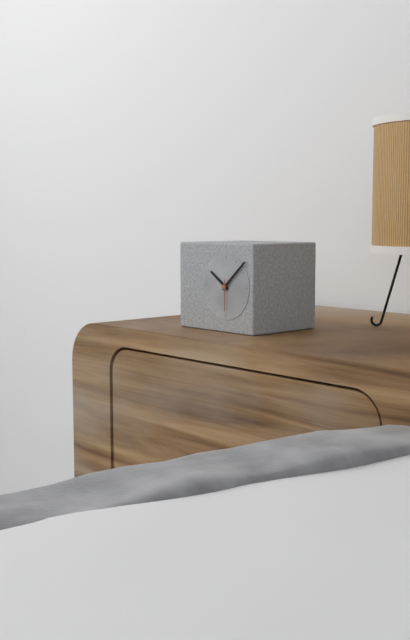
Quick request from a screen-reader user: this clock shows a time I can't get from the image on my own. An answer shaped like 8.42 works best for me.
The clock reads 10.08
